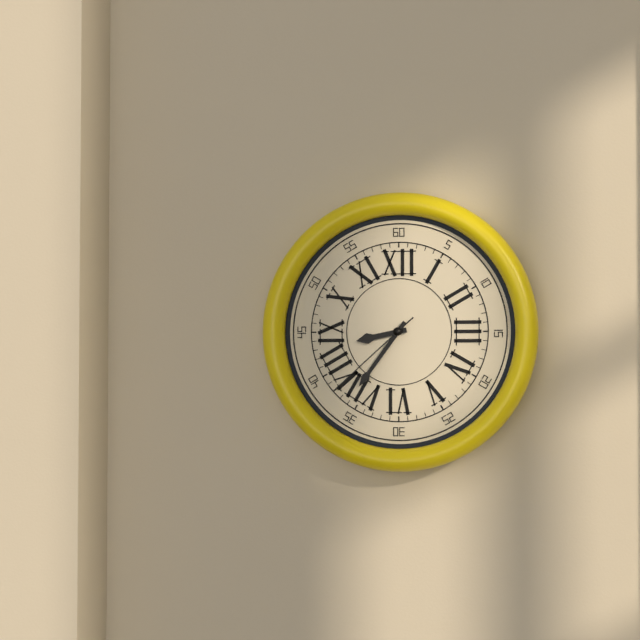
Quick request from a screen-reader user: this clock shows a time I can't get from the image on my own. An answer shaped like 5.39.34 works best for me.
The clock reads 8.36.38
